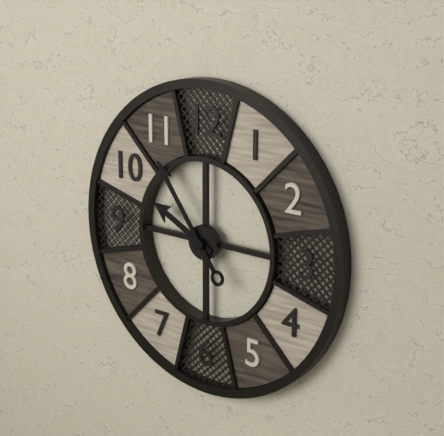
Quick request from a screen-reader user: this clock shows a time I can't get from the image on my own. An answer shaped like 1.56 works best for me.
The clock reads 9.54
